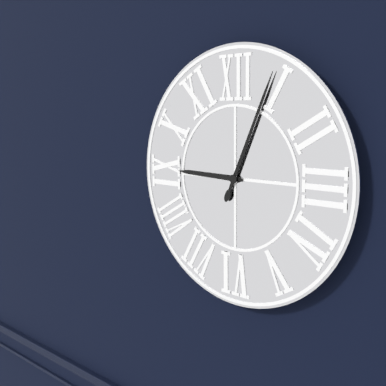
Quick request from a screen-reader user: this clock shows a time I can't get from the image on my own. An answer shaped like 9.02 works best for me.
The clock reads 9.04
